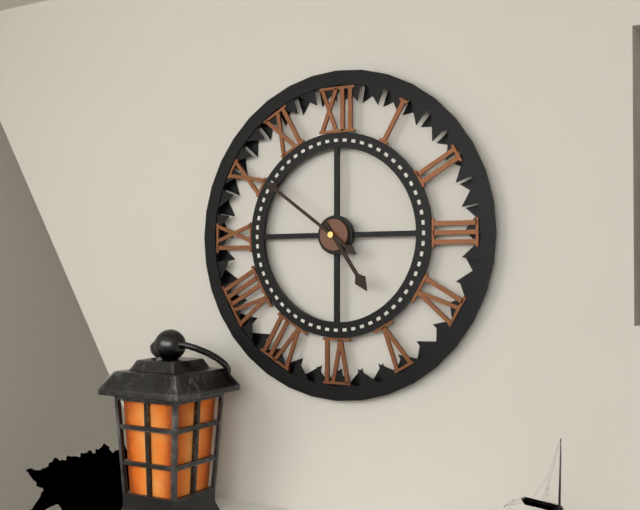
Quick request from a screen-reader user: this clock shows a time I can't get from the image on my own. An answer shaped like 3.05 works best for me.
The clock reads 4.51
